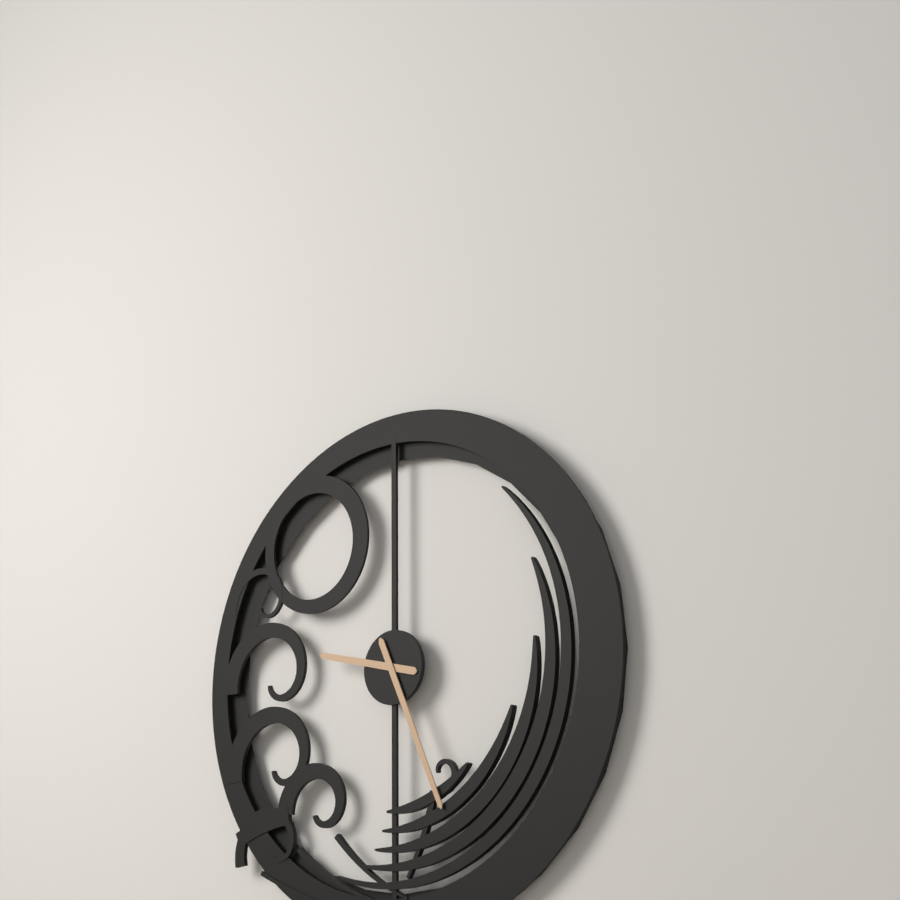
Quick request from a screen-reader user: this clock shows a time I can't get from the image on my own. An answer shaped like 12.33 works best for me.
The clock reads 9.26
